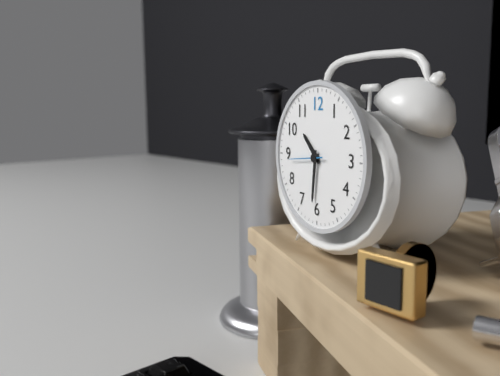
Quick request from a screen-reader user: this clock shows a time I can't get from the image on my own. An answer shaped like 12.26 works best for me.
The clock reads 10.31
